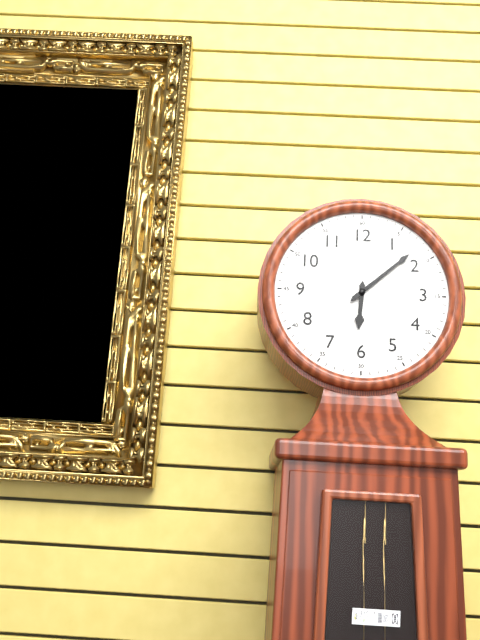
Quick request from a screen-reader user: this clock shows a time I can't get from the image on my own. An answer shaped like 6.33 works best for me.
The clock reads 6.08
